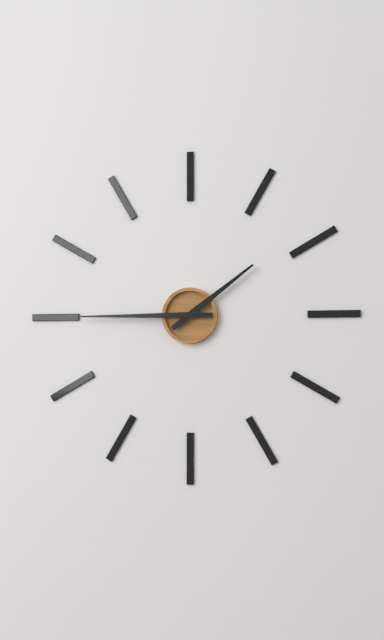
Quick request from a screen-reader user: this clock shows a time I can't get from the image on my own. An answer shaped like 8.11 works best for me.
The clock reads 1.45
